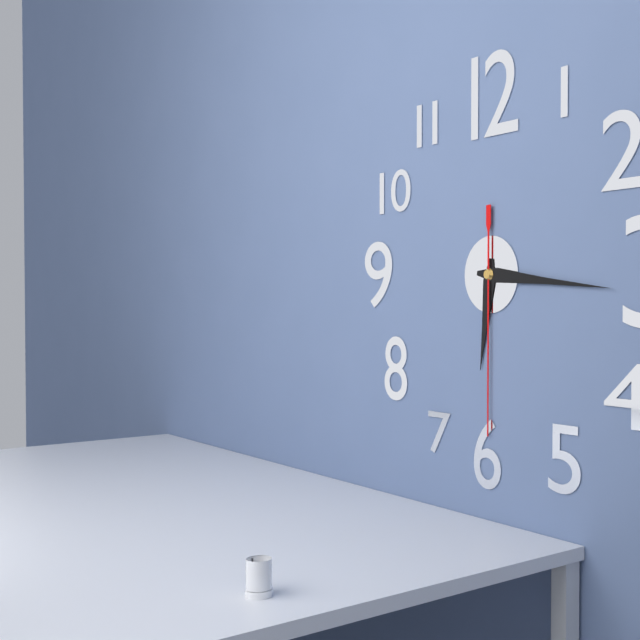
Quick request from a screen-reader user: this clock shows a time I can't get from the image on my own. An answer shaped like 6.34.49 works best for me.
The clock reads 6.16.30
